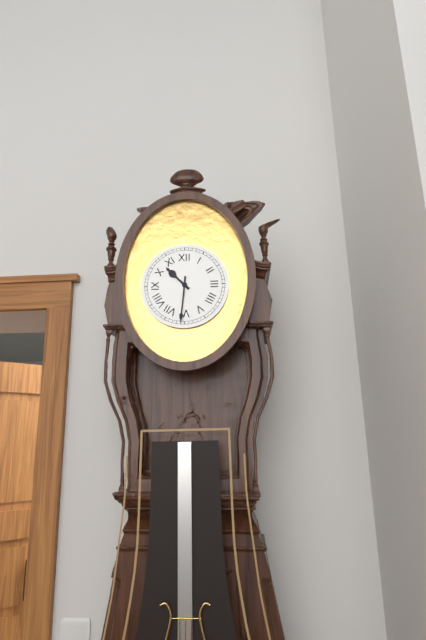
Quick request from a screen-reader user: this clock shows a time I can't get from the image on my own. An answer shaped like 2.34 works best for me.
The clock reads 10.31
